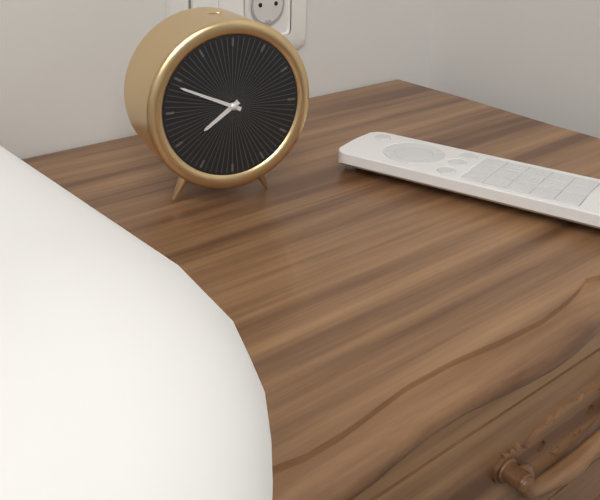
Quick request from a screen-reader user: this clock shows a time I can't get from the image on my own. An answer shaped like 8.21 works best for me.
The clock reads 7.49
